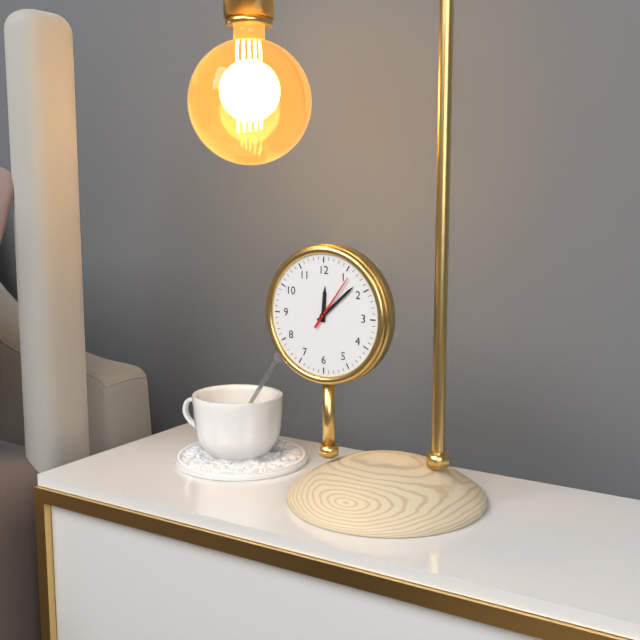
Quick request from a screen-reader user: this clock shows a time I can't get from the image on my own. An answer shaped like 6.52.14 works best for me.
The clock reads 12.08.06
